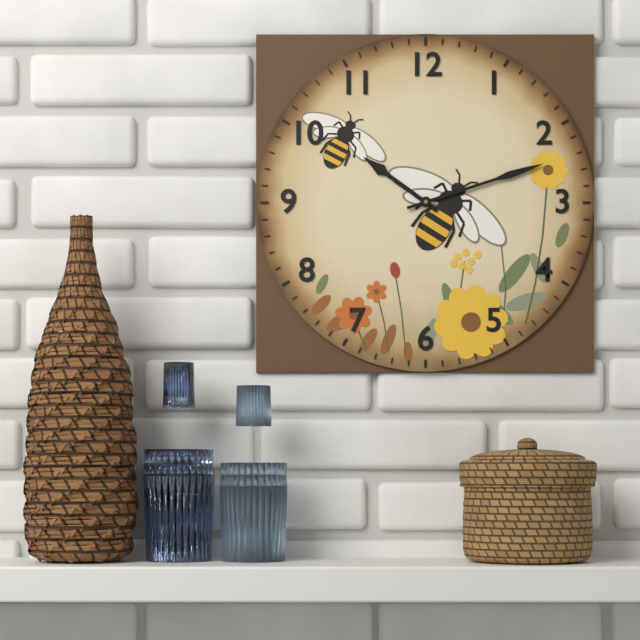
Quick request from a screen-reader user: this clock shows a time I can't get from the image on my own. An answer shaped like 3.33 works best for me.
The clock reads 10.12
